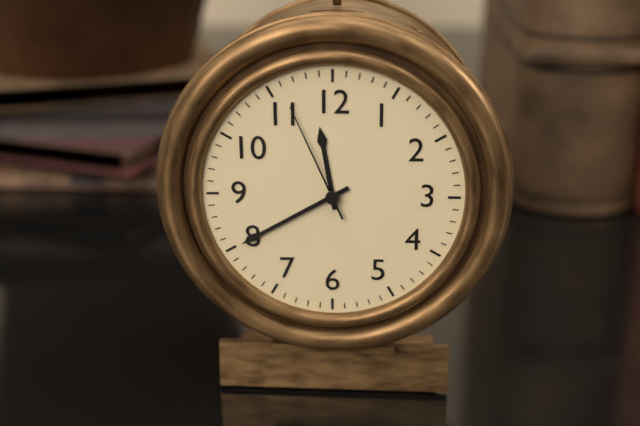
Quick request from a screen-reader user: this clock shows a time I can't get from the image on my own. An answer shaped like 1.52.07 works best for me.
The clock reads 11.40.56
